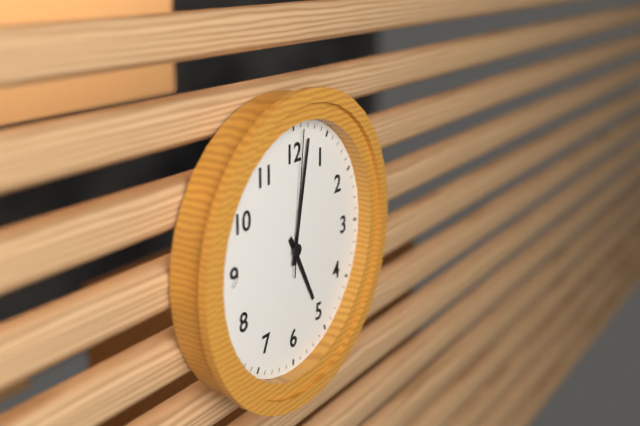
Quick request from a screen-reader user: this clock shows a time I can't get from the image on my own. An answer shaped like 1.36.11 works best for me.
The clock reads 5.02.01
